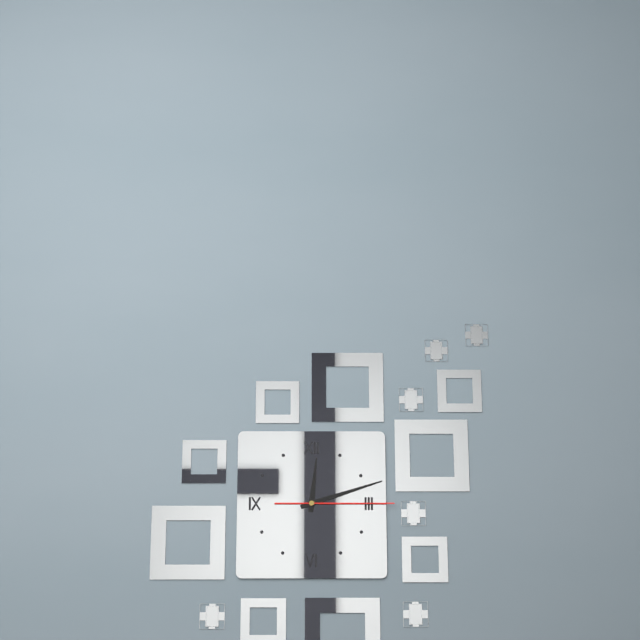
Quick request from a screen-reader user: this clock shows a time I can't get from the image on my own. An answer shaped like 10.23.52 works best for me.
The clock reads 12.12.15
